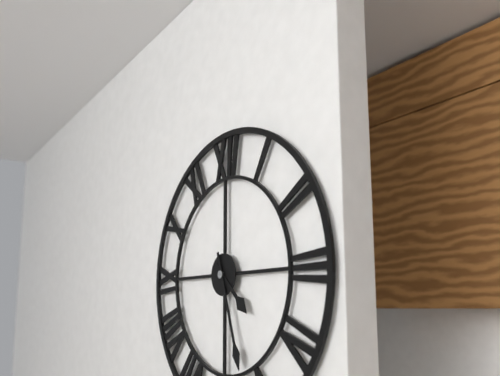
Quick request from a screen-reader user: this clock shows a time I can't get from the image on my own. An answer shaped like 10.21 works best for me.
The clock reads 4.27
